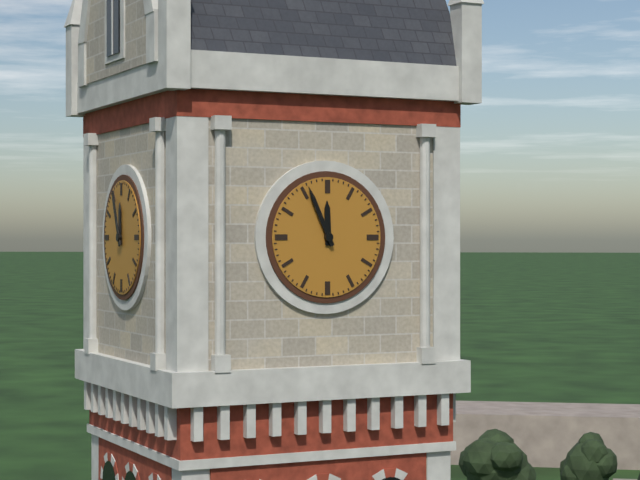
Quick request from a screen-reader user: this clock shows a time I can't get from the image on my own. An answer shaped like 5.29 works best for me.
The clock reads 11.56
